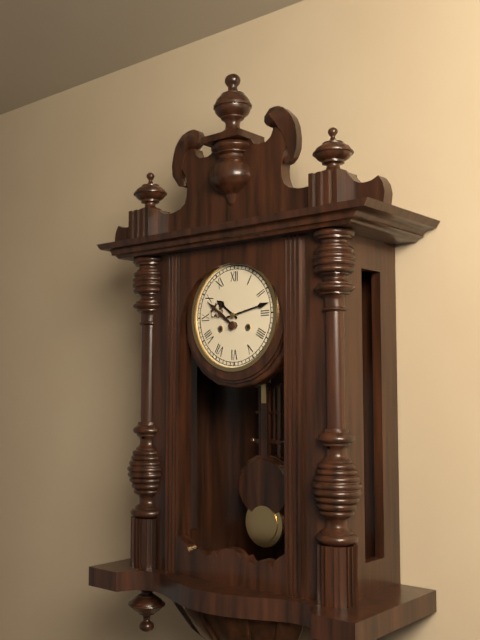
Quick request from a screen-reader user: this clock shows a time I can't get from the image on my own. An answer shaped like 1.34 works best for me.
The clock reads 10.13
